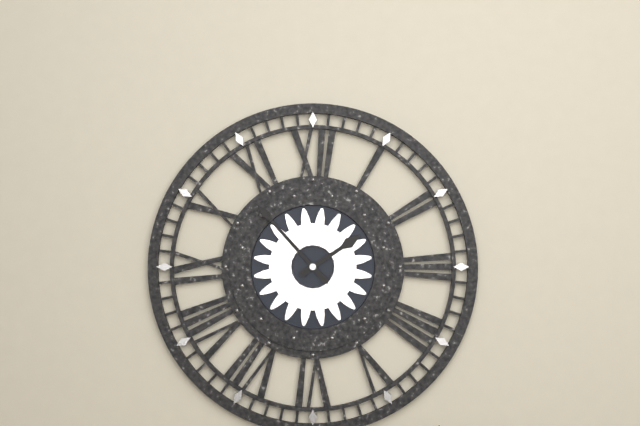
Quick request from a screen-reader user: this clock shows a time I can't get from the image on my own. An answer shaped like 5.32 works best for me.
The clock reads 1.53
